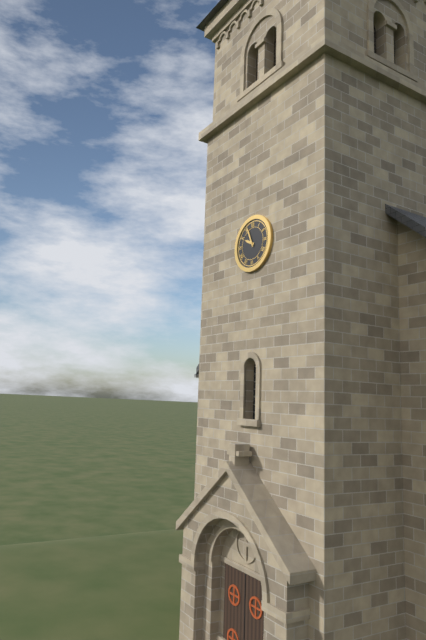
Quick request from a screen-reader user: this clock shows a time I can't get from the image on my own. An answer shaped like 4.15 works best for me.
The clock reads 9.56
